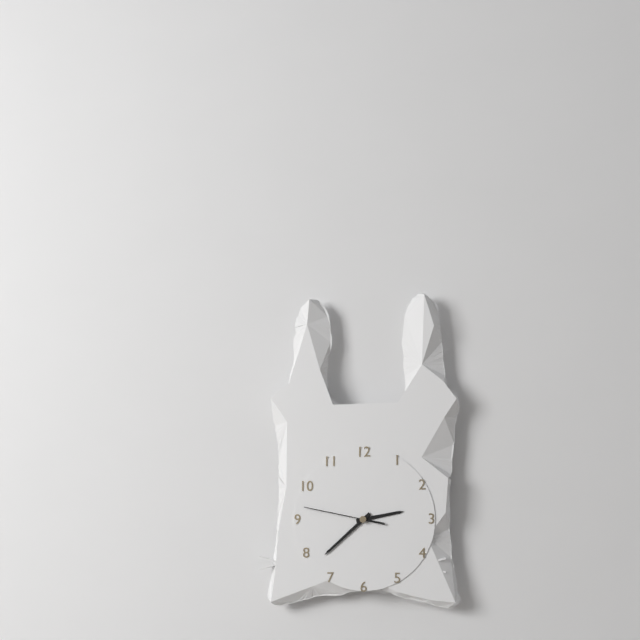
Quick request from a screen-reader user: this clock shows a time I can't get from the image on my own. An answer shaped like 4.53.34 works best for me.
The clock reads 2.38.47
